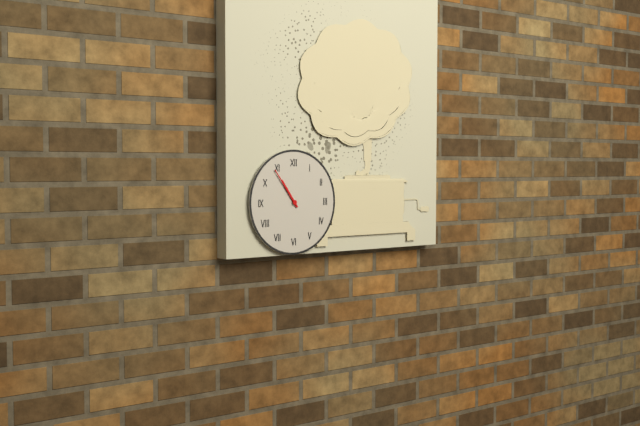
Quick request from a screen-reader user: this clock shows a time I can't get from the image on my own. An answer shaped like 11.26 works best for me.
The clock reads 10.54
